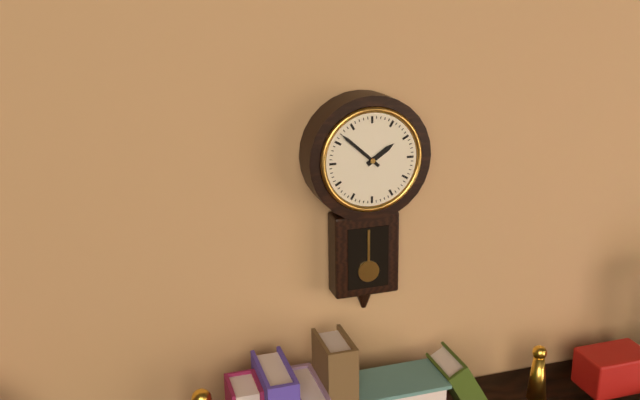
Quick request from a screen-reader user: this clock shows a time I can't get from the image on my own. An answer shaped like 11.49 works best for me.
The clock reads 1.52
